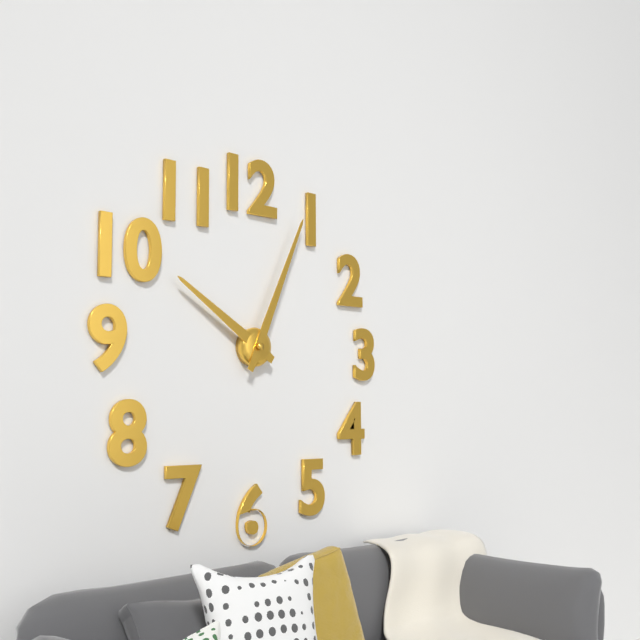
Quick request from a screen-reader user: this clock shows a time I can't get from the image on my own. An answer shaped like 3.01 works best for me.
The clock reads 10.04
